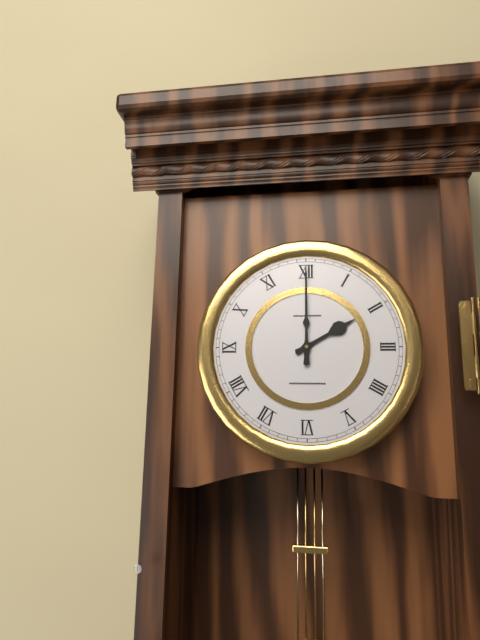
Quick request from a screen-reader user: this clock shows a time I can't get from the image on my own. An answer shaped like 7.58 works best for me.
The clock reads 2.00
